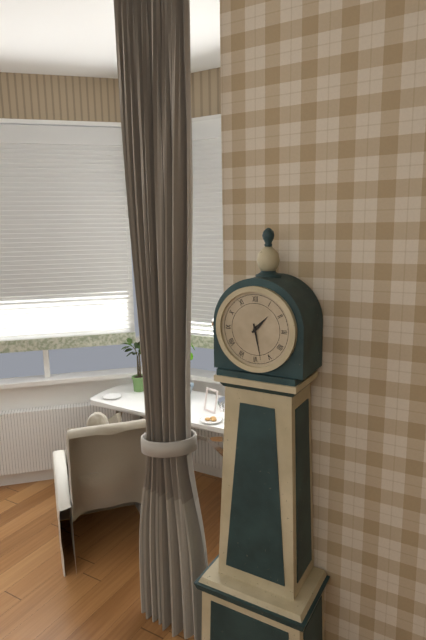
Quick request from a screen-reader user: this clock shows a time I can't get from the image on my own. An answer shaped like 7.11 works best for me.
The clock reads 1.28
